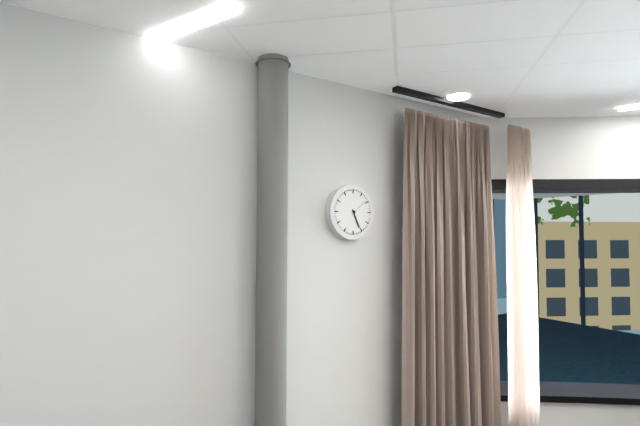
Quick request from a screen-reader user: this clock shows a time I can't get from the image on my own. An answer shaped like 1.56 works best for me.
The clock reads 5.09
